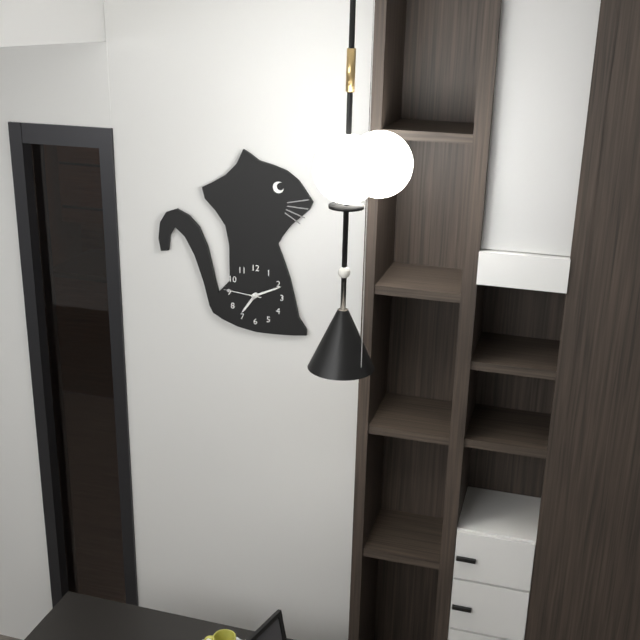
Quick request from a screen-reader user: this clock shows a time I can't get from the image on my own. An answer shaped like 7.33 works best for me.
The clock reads 7.11
